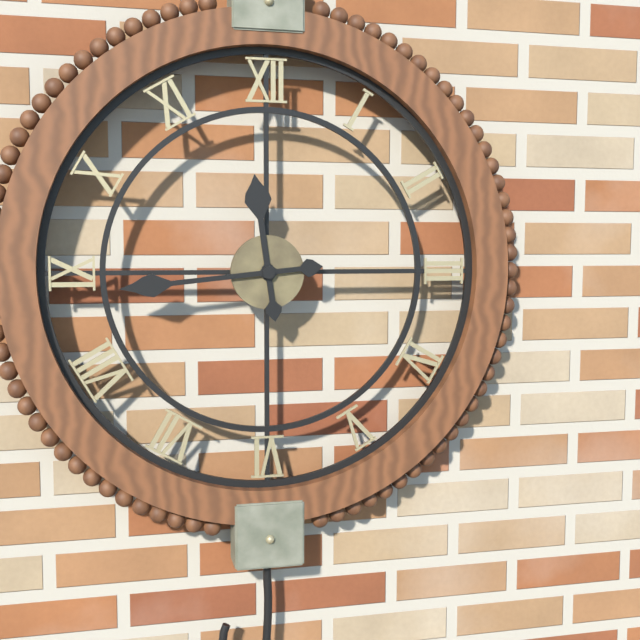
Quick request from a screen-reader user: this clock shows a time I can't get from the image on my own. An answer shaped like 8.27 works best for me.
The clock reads 11.44
